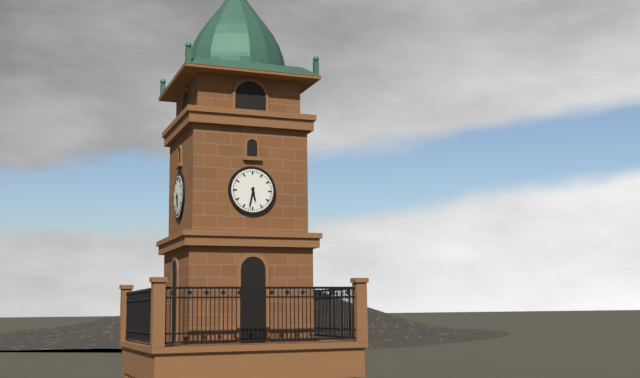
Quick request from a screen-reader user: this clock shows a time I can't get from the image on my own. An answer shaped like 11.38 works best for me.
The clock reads 5.32
